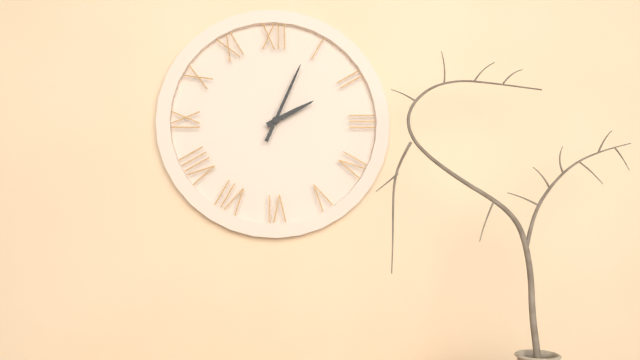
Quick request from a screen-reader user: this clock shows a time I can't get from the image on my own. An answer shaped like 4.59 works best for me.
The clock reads 2.04
